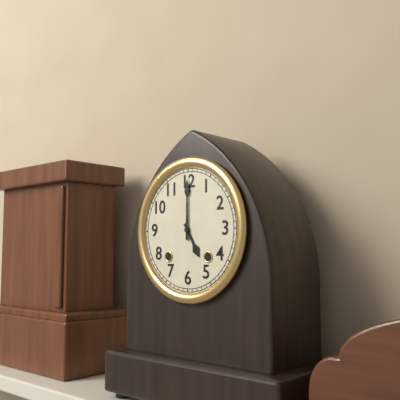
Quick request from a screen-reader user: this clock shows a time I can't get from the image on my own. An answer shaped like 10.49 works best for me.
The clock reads 5.00
